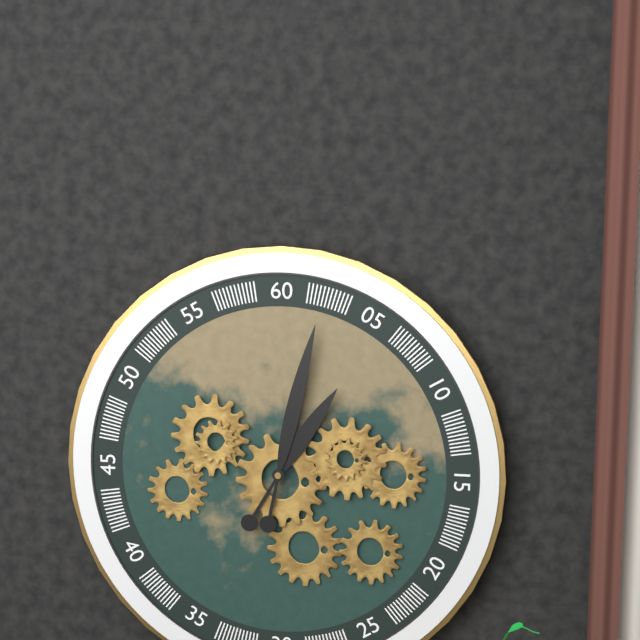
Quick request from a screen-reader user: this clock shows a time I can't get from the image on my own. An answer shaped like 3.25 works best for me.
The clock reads 1.02
